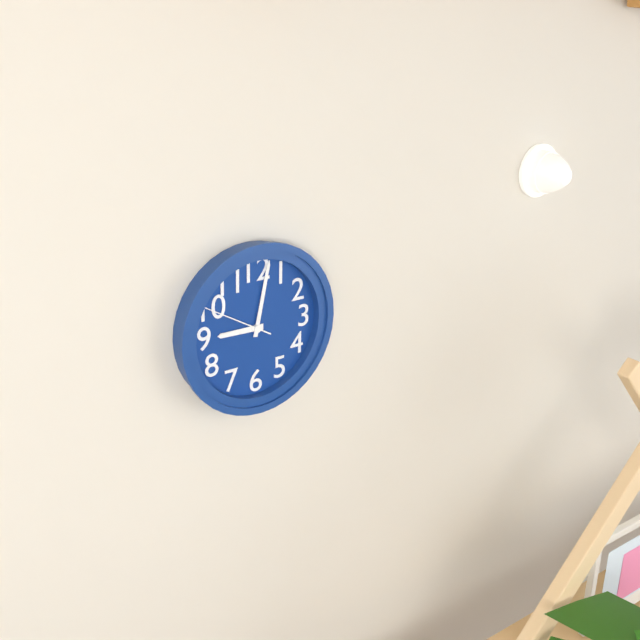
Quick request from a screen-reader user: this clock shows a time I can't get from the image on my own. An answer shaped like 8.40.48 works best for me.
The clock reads 9.02.50
